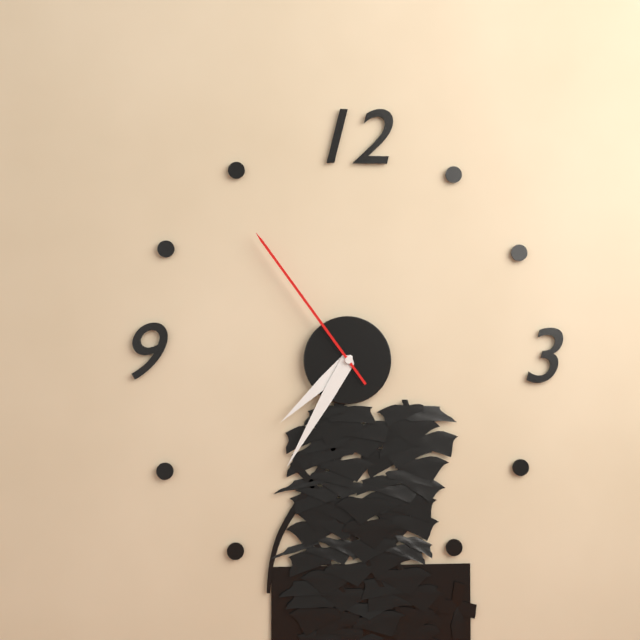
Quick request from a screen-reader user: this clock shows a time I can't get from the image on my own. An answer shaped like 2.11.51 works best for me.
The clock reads 7.35.54
